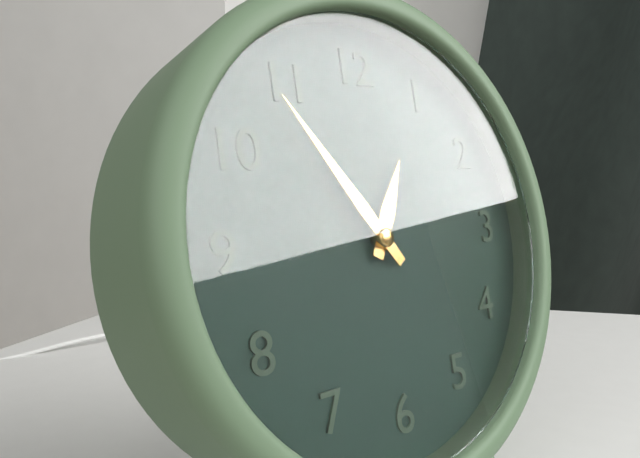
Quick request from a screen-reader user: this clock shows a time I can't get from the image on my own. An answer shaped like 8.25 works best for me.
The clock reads 12.54
